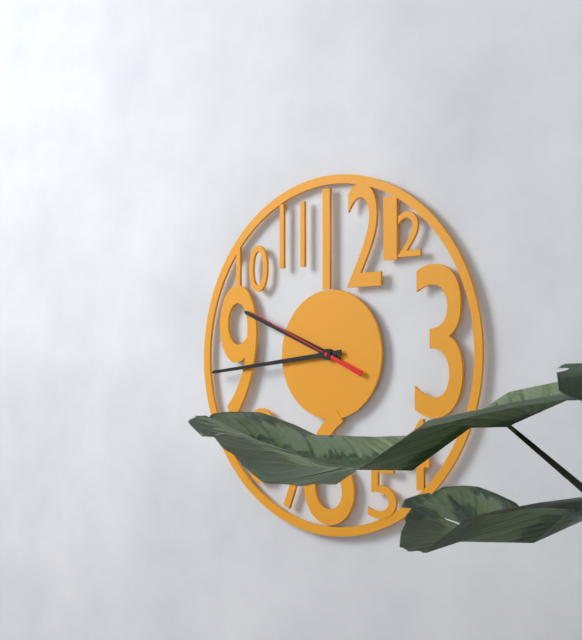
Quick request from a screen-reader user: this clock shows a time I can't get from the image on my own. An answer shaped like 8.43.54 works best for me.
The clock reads 9.44.49
